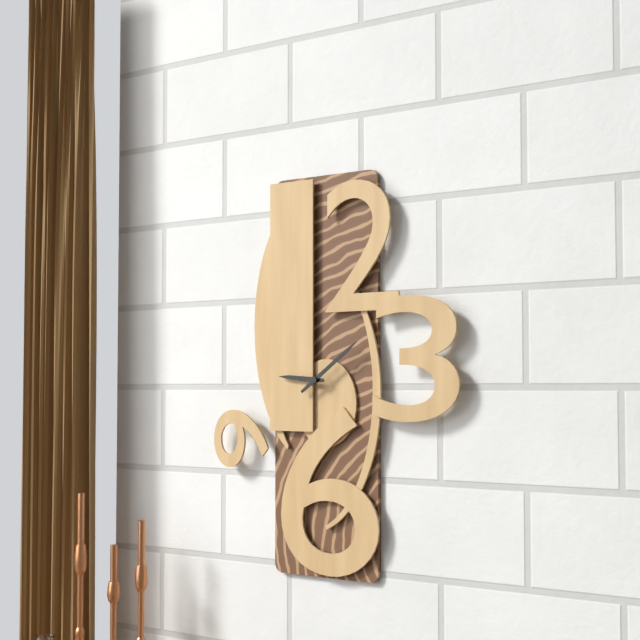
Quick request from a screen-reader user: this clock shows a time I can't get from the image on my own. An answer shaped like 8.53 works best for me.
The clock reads 9.09
